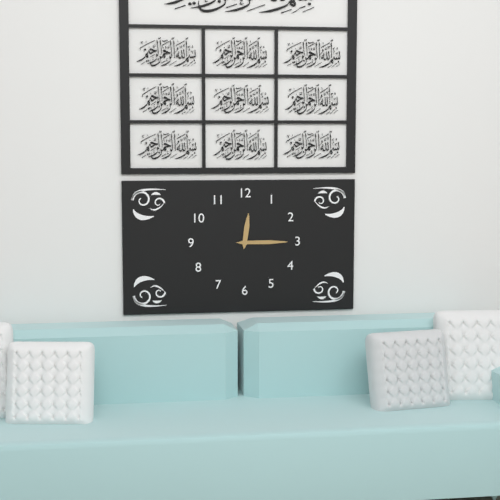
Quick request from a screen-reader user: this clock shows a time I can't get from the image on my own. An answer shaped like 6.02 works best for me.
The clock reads 12.15
